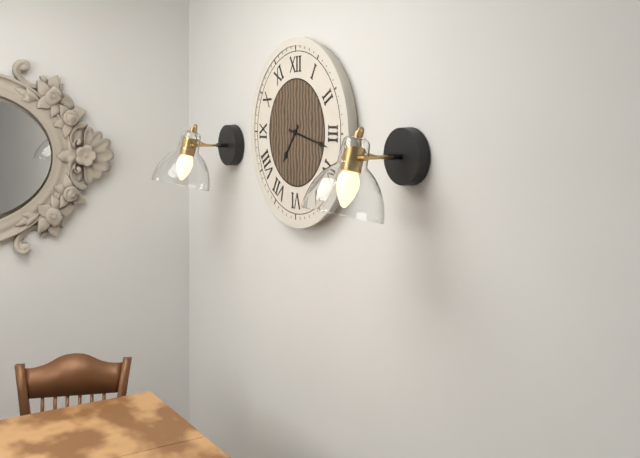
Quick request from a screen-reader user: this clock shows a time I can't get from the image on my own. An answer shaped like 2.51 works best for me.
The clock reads 7.17
